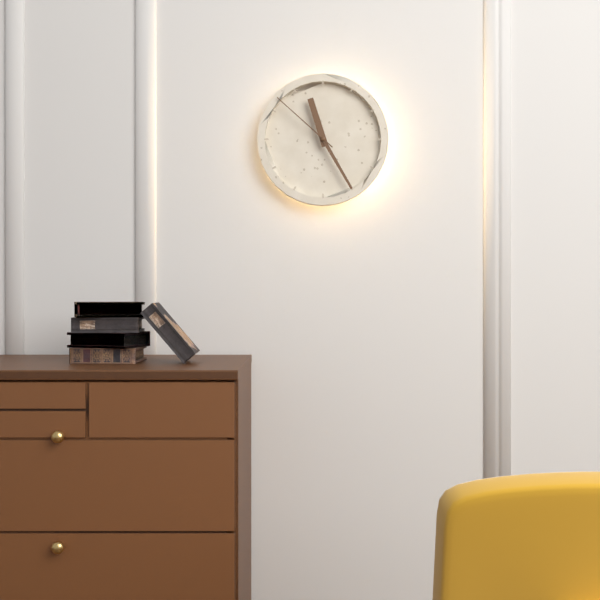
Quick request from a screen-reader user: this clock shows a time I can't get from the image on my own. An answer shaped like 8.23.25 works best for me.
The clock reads 11.25.52
